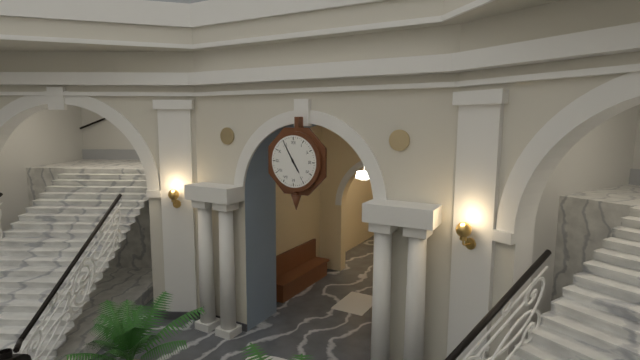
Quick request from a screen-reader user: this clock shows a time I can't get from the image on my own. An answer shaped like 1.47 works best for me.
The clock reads 4.55
